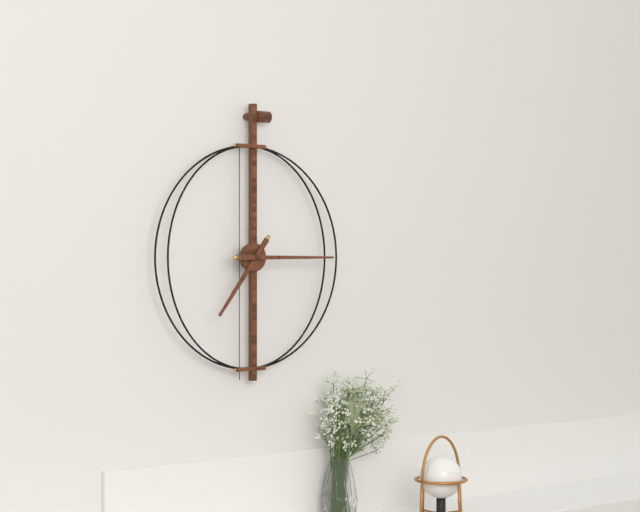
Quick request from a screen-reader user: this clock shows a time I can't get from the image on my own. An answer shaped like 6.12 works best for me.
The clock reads 7.15
